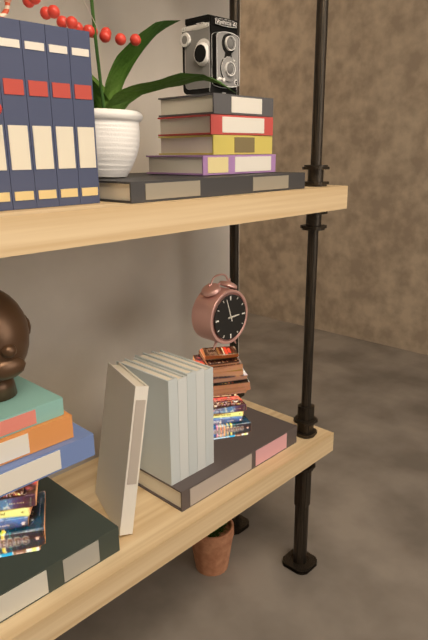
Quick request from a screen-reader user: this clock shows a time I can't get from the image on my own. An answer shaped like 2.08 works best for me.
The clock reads 2.57
